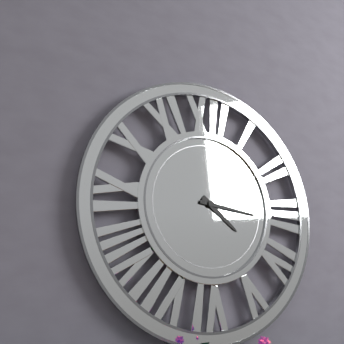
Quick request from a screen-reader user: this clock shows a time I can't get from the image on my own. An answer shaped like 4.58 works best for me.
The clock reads 4.16
